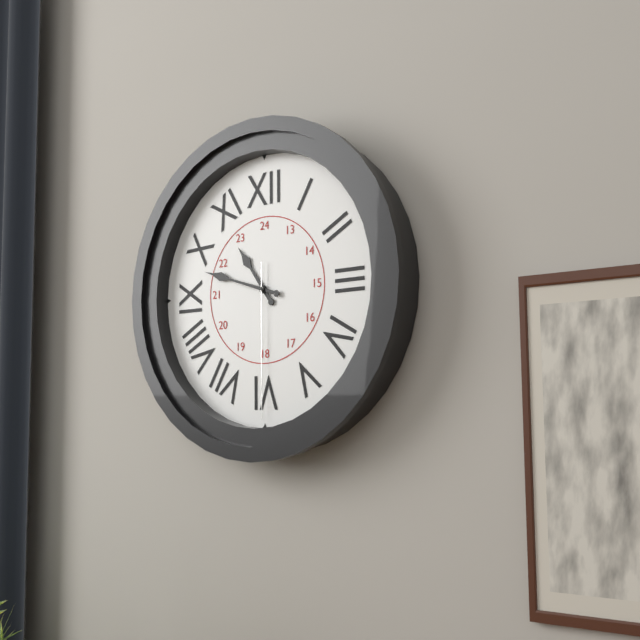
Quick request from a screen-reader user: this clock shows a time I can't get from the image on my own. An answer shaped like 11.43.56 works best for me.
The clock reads 10.48.30
